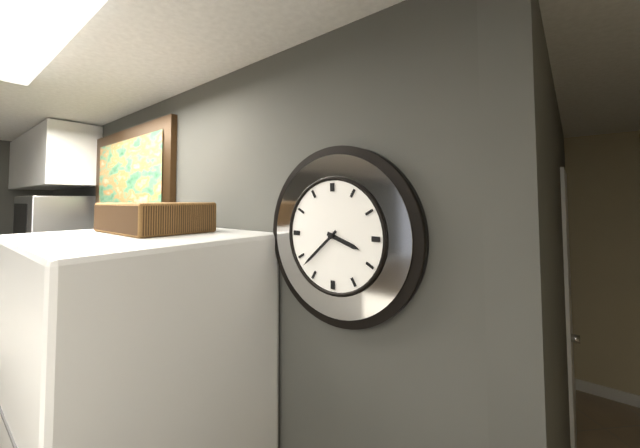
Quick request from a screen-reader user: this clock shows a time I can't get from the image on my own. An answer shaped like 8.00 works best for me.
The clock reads 3.38
